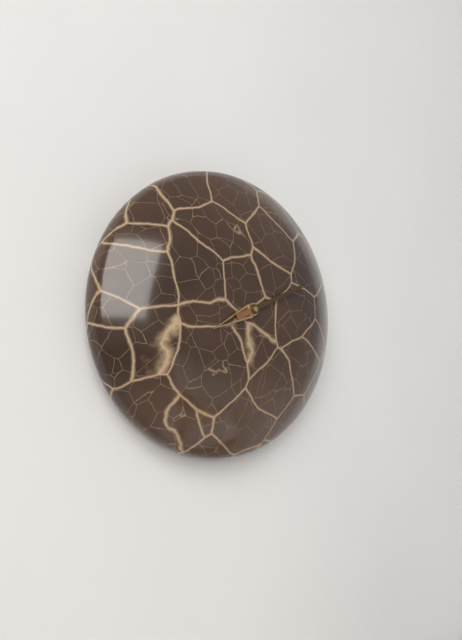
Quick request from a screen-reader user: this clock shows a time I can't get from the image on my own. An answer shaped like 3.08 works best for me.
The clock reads 8.11
